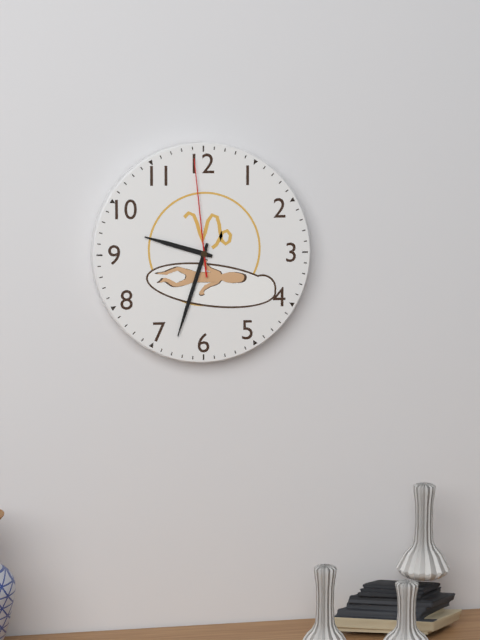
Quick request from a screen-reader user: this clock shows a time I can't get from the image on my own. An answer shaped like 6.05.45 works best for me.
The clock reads 9.33.59
